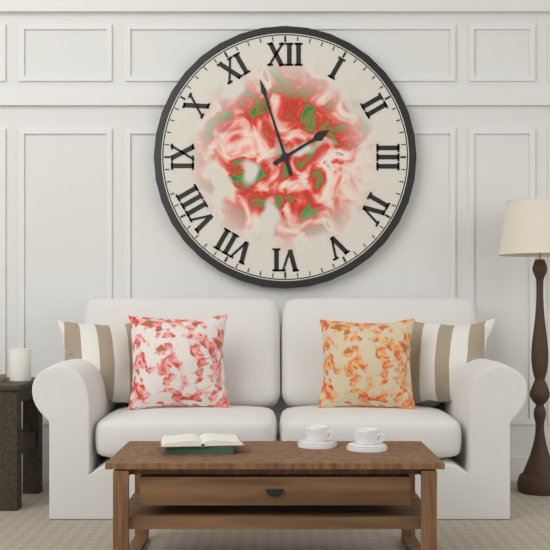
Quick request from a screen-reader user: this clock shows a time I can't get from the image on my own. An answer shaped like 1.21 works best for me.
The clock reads 1.57
